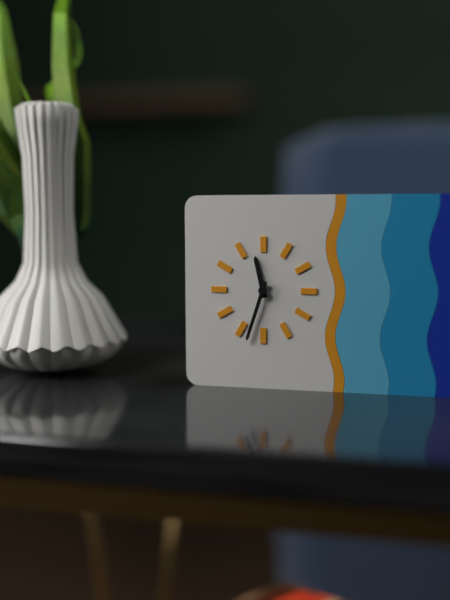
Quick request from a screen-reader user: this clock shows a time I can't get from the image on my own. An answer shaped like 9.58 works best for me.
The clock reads 11.33
